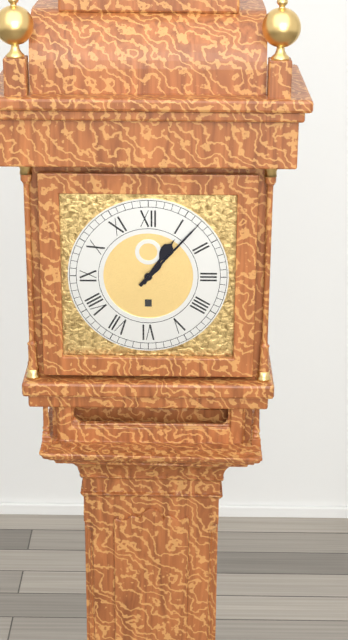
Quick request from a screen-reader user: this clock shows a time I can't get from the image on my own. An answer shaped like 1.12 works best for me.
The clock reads 1.07
